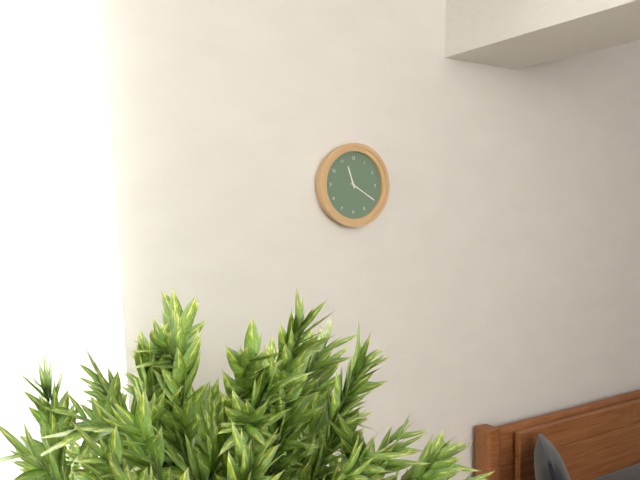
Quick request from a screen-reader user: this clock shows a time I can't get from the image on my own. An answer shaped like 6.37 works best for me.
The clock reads 11.20
